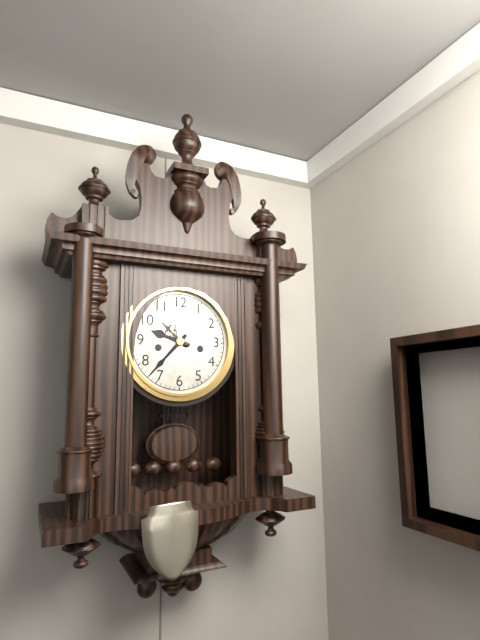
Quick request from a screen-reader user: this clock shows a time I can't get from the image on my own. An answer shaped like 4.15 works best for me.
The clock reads 9.37
